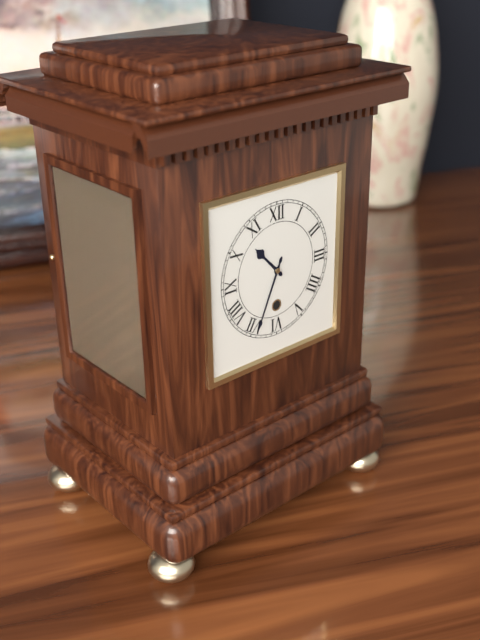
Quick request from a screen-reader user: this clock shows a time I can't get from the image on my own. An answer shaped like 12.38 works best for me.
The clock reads 10.34
